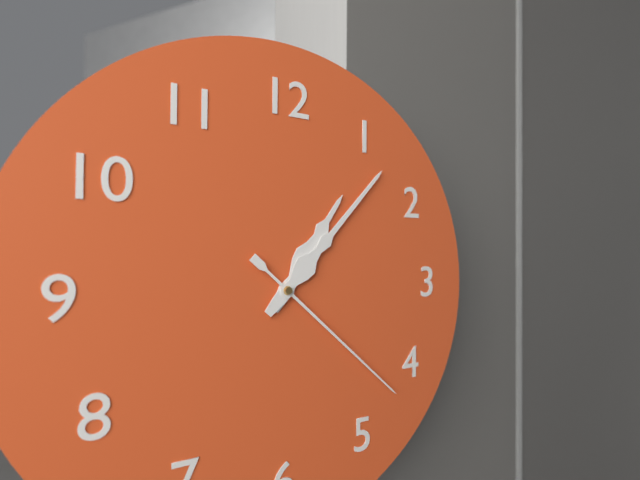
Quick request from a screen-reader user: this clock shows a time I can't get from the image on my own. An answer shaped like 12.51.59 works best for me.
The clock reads 1.07.22
